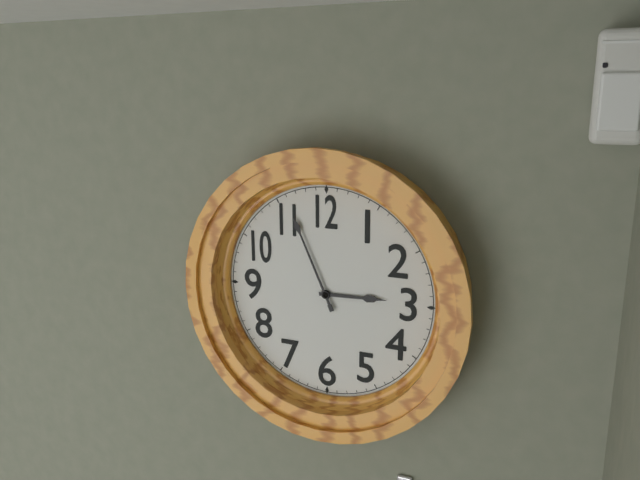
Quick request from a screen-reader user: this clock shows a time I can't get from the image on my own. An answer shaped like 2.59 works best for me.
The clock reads 2.56
